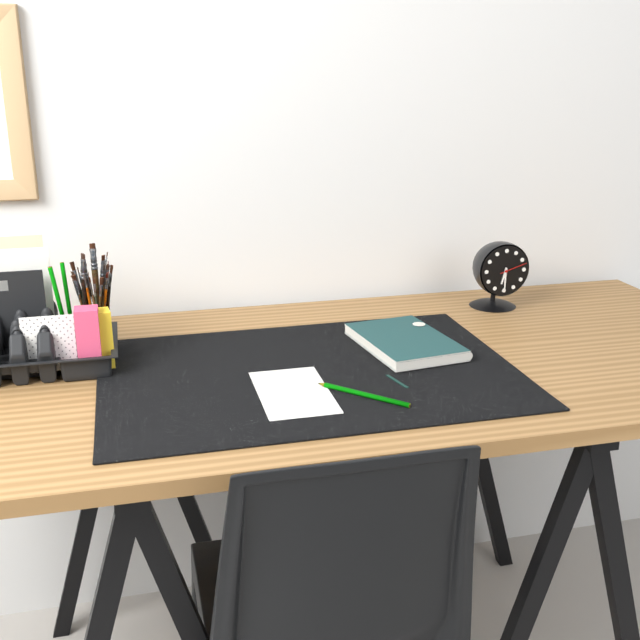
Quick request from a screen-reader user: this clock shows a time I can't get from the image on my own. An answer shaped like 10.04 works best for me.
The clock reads 6.30
